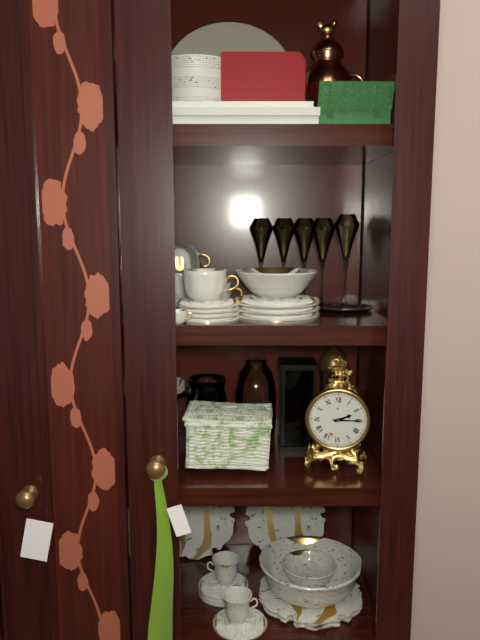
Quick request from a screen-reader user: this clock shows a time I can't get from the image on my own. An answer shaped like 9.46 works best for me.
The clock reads 2.15
